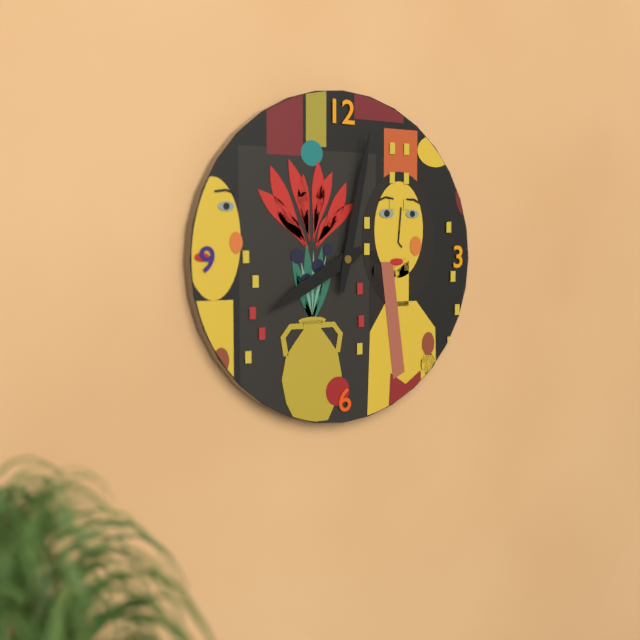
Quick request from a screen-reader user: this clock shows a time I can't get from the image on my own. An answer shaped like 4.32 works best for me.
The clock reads 8.02
